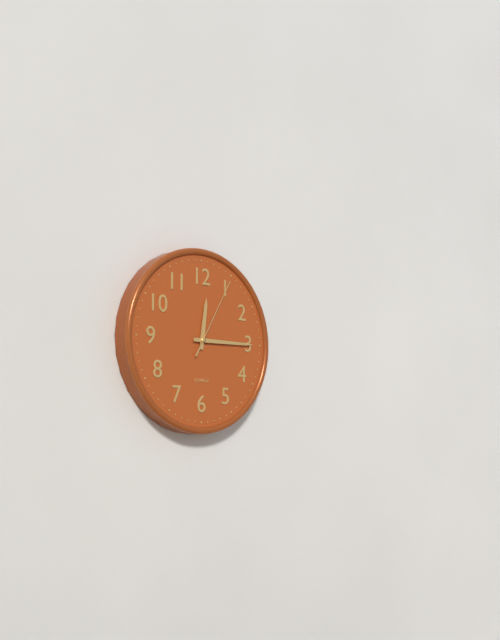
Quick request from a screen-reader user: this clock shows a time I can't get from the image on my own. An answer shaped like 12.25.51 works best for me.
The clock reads 12.15.05
